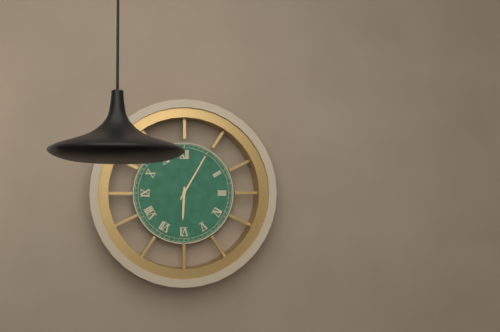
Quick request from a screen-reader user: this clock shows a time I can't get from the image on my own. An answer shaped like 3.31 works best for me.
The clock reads 6.05
